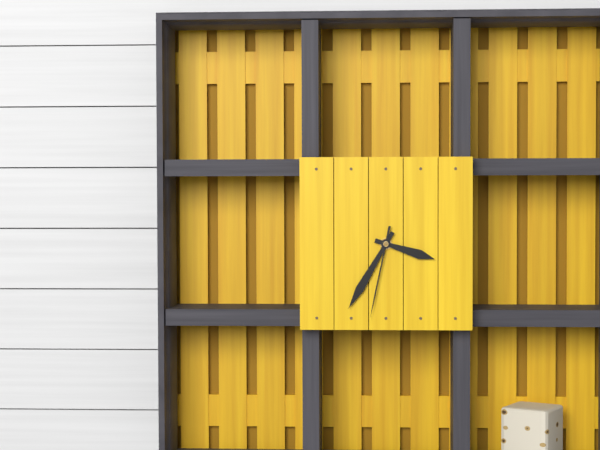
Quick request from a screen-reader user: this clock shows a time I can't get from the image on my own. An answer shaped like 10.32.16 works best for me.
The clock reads 3.35.32
